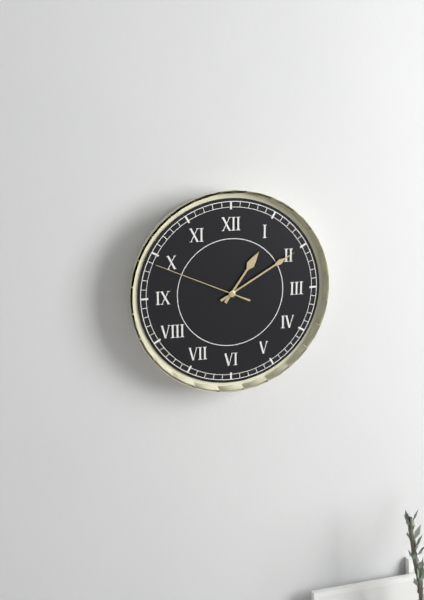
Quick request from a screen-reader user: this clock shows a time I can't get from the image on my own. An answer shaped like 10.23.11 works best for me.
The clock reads 1.10.49
